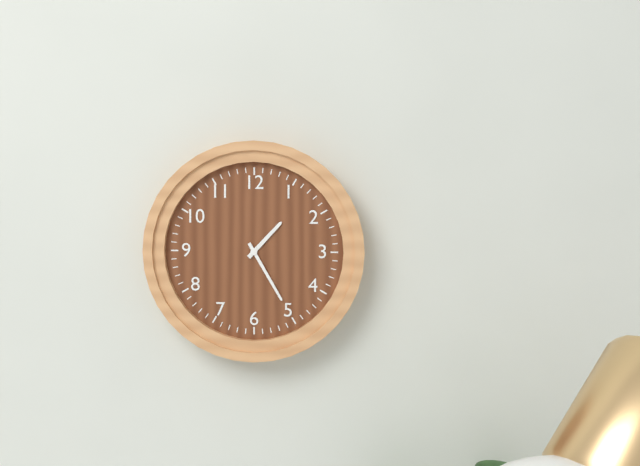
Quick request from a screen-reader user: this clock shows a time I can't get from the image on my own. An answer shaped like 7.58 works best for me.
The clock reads 1.25
